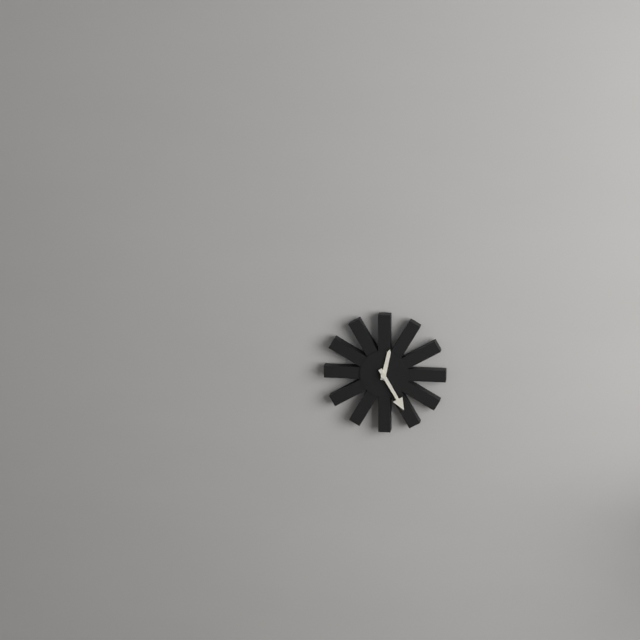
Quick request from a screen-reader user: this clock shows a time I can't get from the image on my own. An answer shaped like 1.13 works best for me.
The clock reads 12.25
